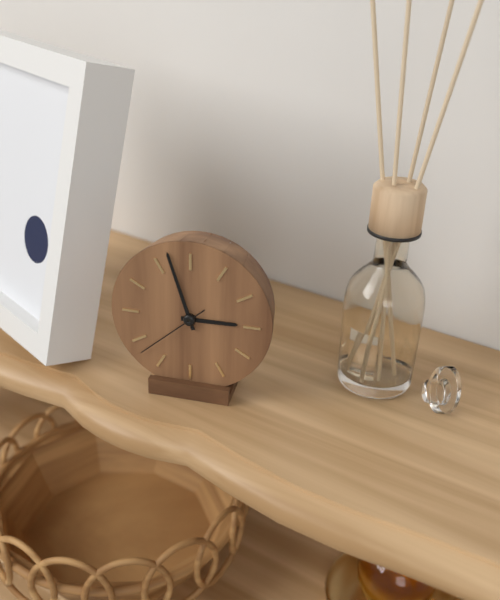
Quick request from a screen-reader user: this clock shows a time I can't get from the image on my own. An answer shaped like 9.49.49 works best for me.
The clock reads 2.57.38
